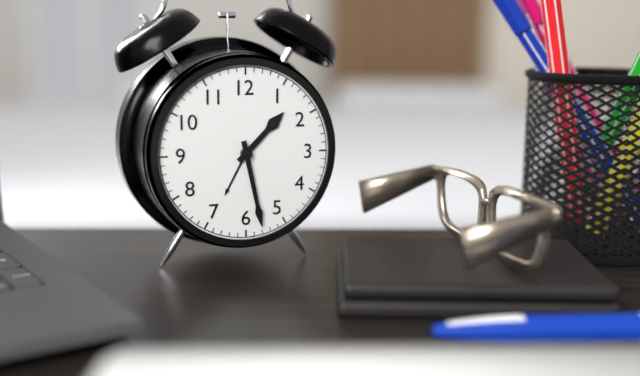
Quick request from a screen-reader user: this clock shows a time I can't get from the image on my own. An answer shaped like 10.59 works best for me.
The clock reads 1.28
